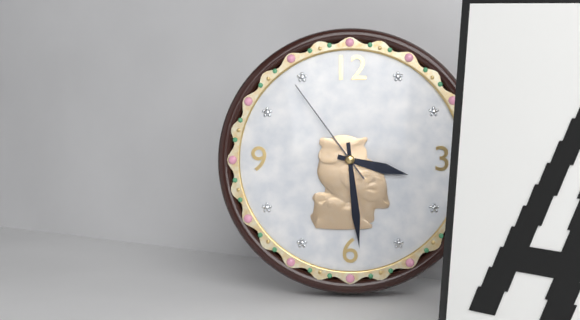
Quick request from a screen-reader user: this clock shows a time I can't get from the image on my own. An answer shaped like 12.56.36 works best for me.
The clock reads 3.29.54
